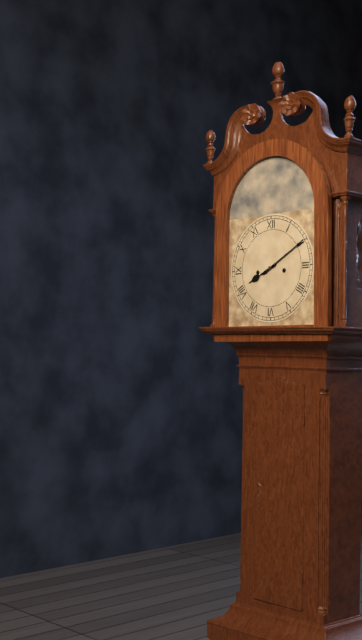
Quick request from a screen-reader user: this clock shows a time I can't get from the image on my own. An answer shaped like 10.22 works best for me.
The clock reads 8.10
